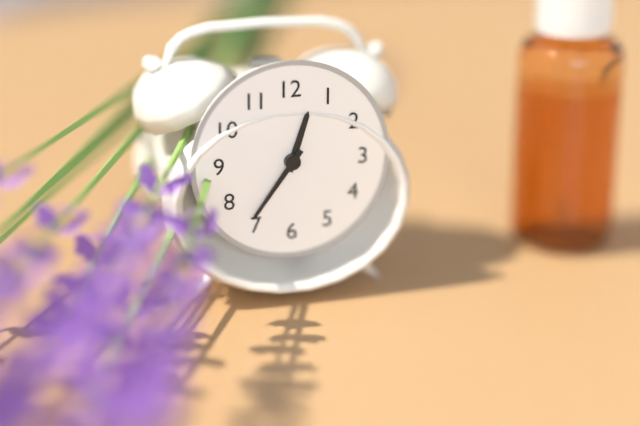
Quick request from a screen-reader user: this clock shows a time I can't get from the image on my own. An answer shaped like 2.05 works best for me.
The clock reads 12.36
